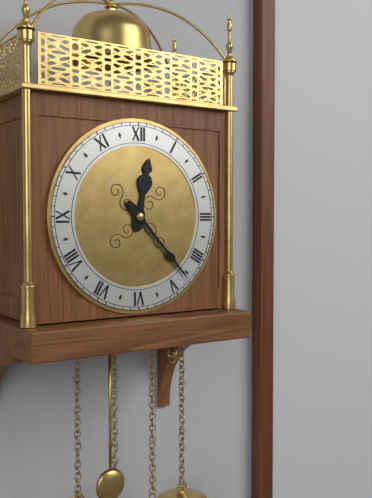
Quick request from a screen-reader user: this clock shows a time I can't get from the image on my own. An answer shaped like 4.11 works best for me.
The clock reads 12.23
